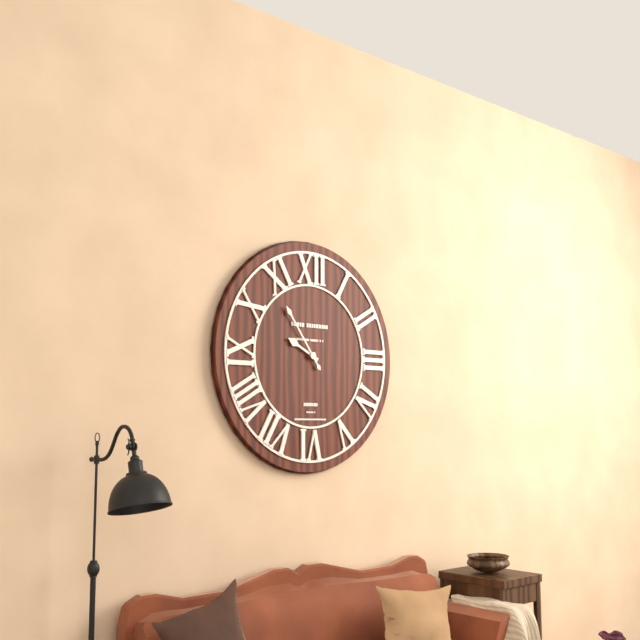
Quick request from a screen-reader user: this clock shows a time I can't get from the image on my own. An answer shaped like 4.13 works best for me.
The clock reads 9.54
